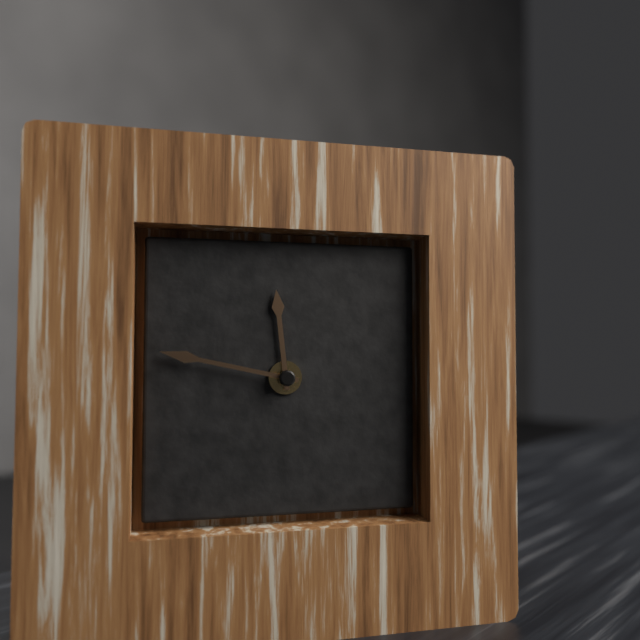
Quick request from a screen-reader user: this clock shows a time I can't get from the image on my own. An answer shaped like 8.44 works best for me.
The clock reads 11.47
